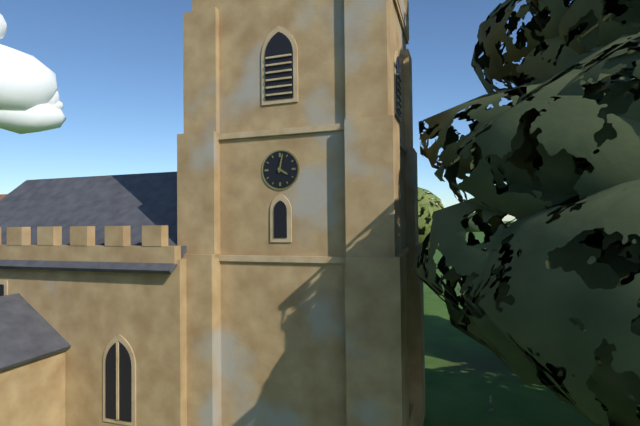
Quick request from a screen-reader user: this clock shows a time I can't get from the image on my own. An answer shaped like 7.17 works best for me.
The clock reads 4.02
